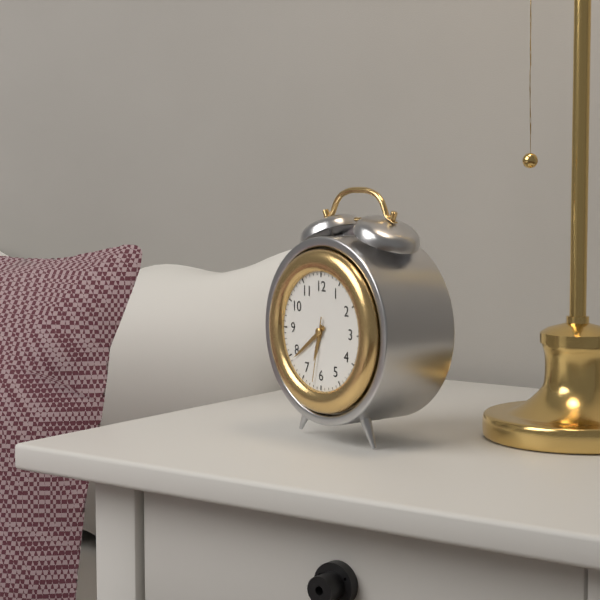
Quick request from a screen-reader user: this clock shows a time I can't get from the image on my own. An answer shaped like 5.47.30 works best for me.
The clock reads 6.39.32
